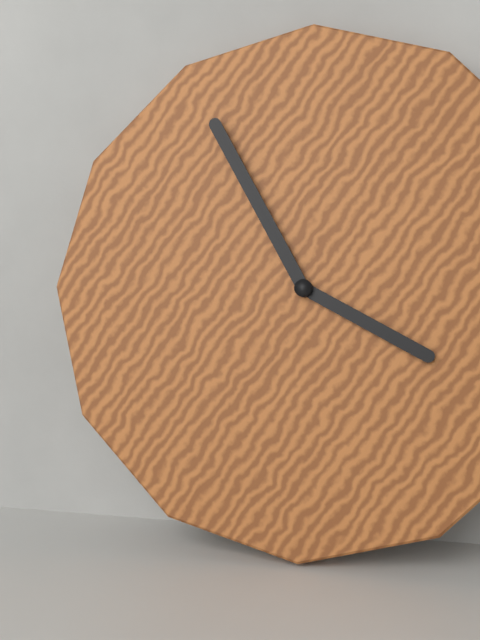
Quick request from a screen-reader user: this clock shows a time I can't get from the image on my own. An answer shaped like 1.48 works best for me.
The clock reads 3.55
